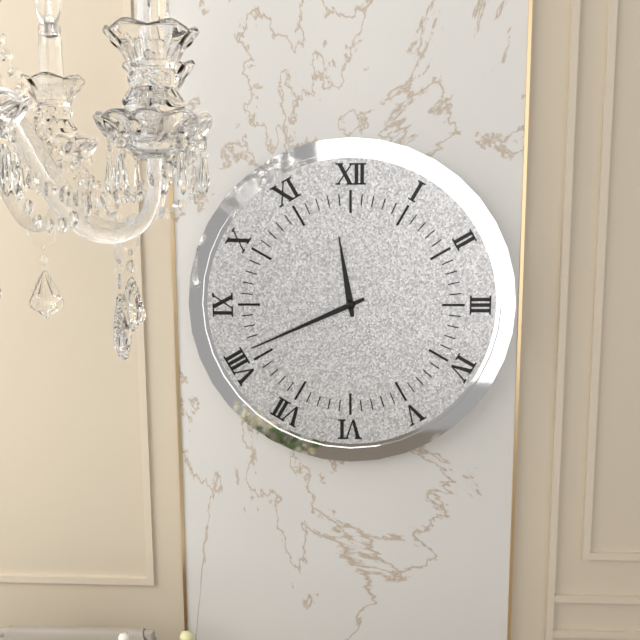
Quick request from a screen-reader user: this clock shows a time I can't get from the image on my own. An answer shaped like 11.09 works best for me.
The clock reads 11.41
